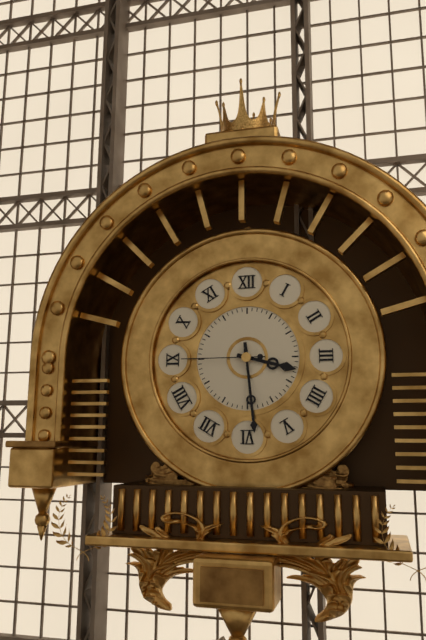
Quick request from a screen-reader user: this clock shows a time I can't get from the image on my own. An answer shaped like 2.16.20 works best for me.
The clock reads 3.29.45
